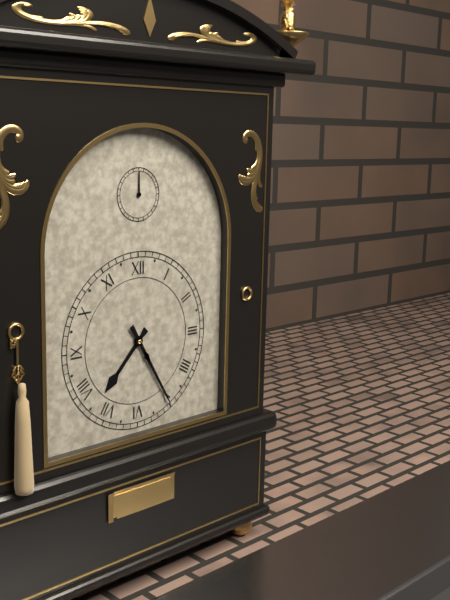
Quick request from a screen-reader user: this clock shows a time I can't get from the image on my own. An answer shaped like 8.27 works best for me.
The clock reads 7.25
